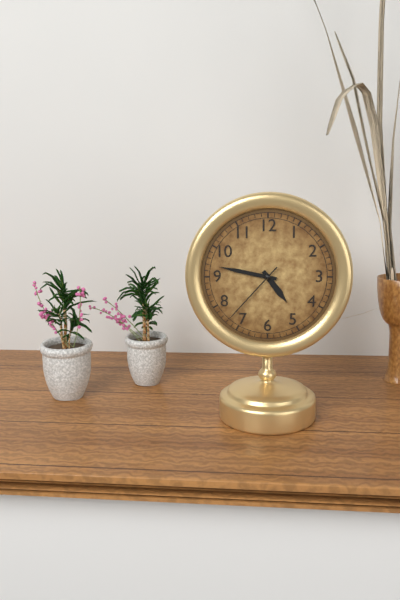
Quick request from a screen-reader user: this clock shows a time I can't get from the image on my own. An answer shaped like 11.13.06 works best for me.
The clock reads 4.47.37
